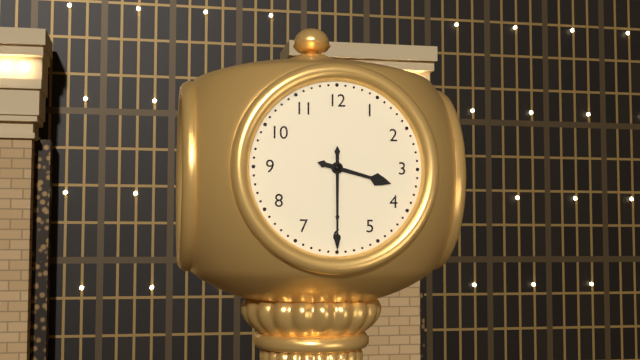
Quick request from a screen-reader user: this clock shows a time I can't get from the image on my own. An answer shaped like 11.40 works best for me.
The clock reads 3.30
